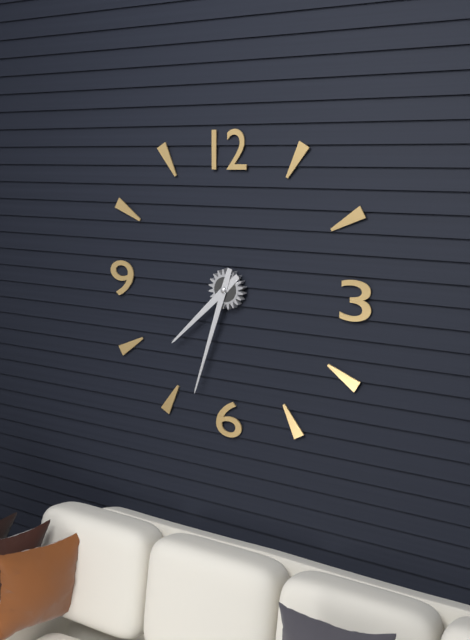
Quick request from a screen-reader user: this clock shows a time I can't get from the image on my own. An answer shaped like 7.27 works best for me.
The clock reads 7.33
